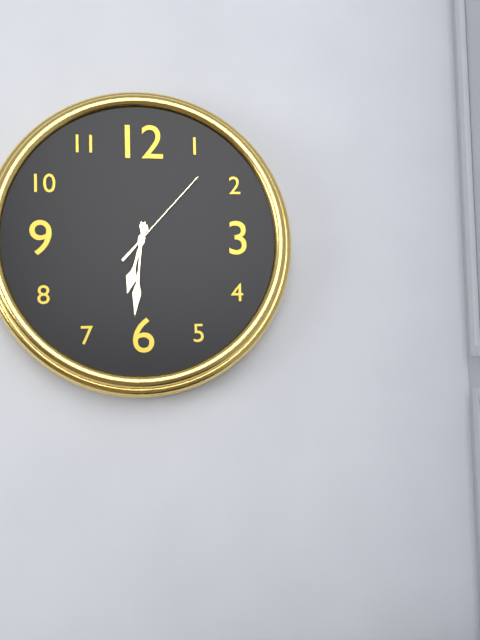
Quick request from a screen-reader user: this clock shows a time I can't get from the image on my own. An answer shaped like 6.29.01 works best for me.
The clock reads 6.31.07
